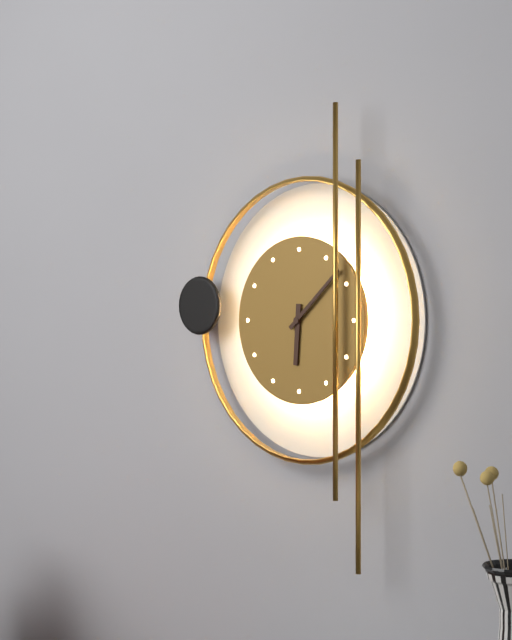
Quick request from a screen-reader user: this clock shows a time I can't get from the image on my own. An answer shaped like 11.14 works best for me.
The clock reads 6.08
